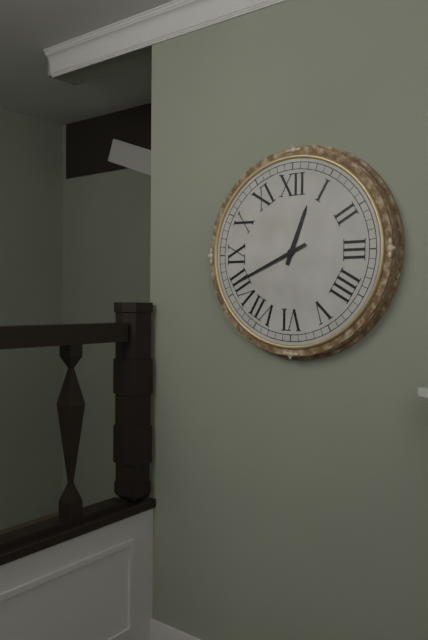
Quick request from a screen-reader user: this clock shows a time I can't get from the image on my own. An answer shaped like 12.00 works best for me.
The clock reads 12.41
